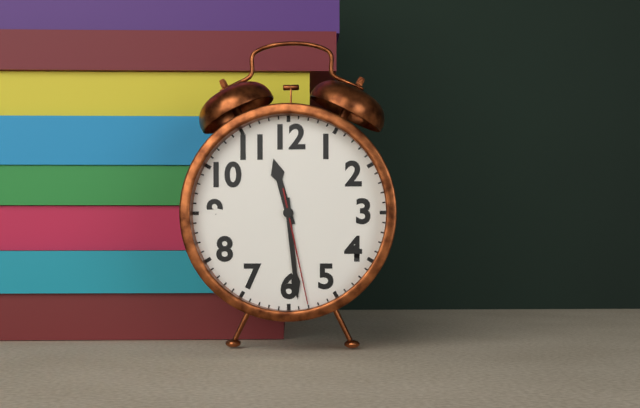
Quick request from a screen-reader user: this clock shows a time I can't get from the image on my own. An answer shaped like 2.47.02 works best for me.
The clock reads 11.29.28
